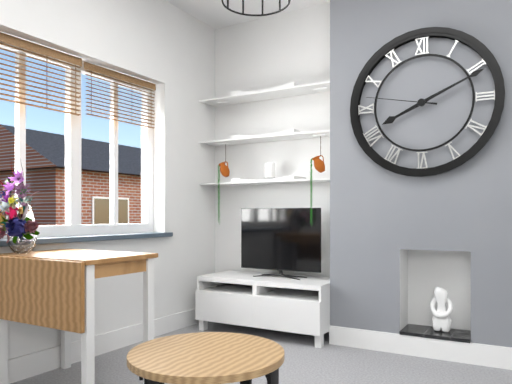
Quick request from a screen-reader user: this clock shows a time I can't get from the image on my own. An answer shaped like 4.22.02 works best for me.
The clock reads 8.11.47
